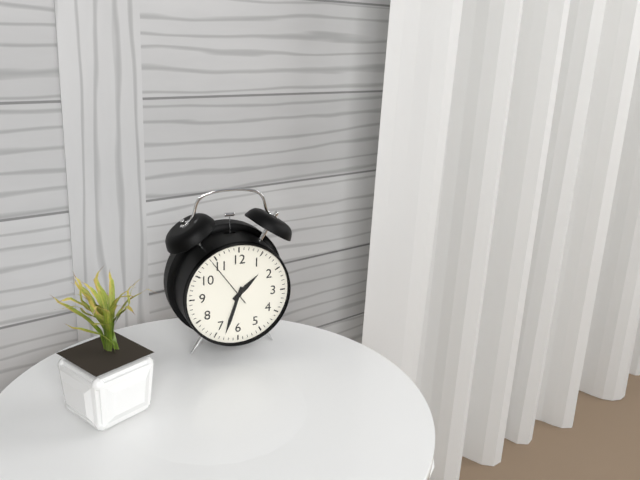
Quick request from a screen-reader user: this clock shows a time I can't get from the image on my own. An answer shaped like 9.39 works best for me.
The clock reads 1.33
